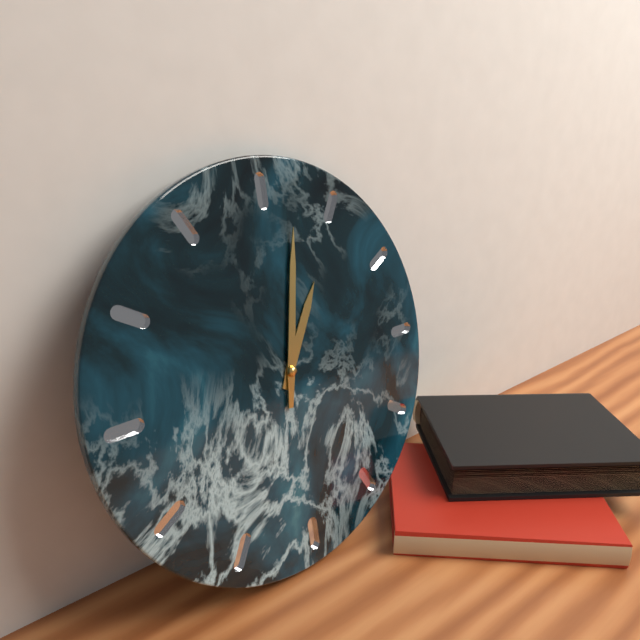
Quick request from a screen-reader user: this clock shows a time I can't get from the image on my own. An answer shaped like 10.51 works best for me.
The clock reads 1.02
